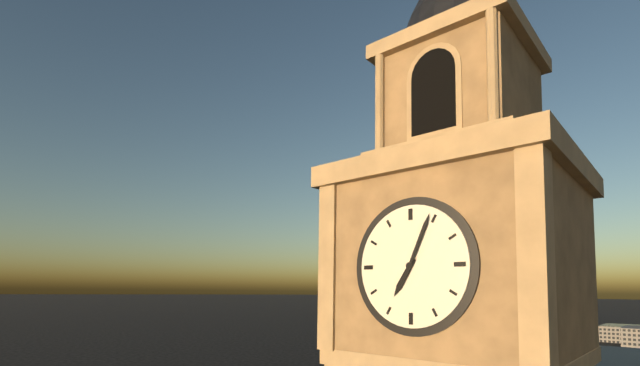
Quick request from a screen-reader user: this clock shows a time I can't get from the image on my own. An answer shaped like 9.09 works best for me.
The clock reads 7.04
